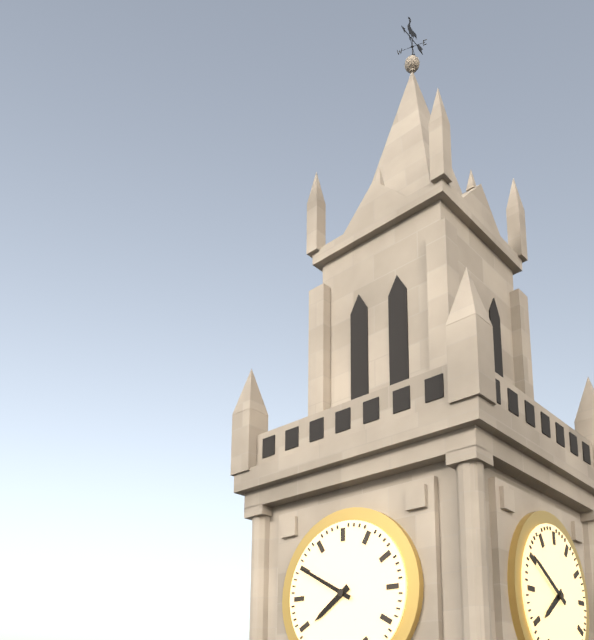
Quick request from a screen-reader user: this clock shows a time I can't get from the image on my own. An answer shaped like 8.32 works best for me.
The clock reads 7.50
